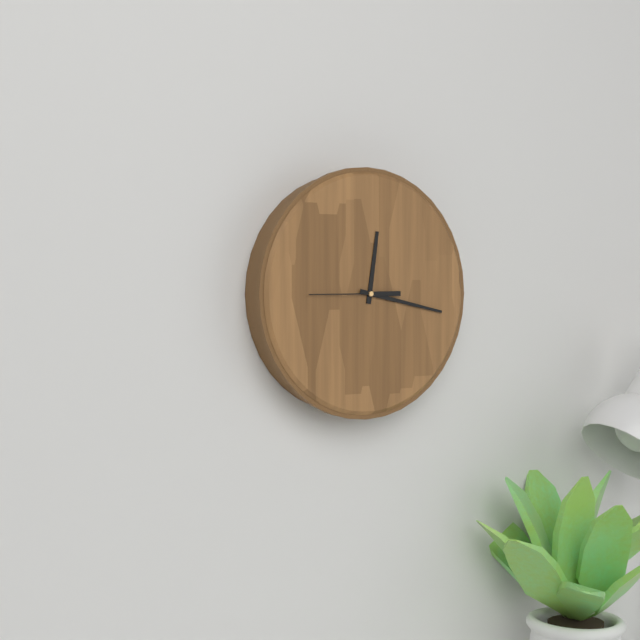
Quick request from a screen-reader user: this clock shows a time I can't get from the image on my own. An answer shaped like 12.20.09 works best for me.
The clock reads 12.17.45
